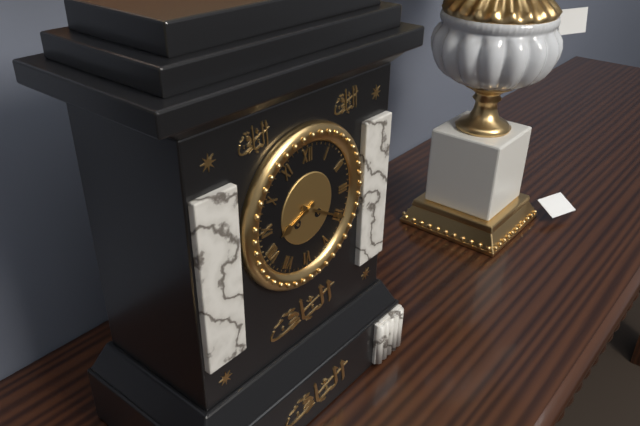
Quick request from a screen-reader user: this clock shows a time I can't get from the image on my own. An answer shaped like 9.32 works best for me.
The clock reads 8.20
